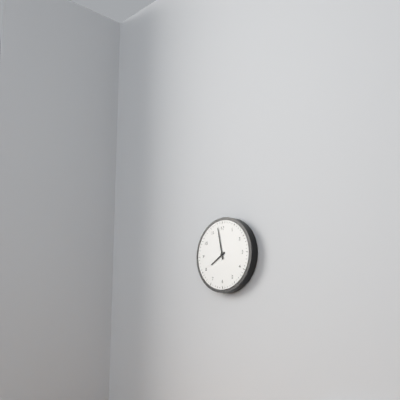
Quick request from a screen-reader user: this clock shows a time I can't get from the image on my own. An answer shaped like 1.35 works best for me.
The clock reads 7.58
